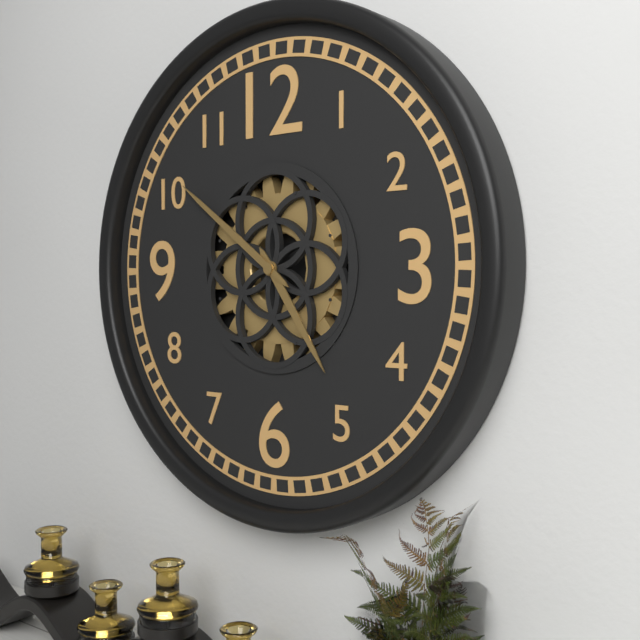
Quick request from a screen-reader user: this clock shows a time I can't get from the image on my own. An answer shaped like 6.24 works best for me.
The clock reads 4.51
